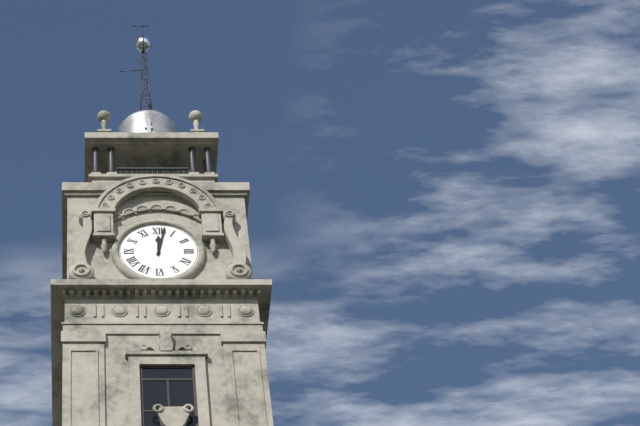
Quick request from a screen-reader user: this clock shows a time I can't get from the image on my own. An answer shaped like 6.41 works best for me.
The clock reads 12.02
